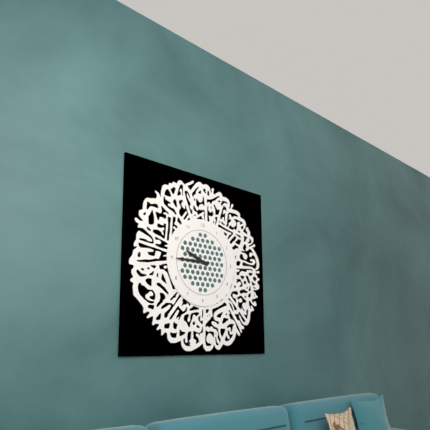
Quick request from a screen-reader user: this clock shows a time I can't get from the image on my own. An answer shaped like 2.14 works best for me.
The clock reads 9.45
